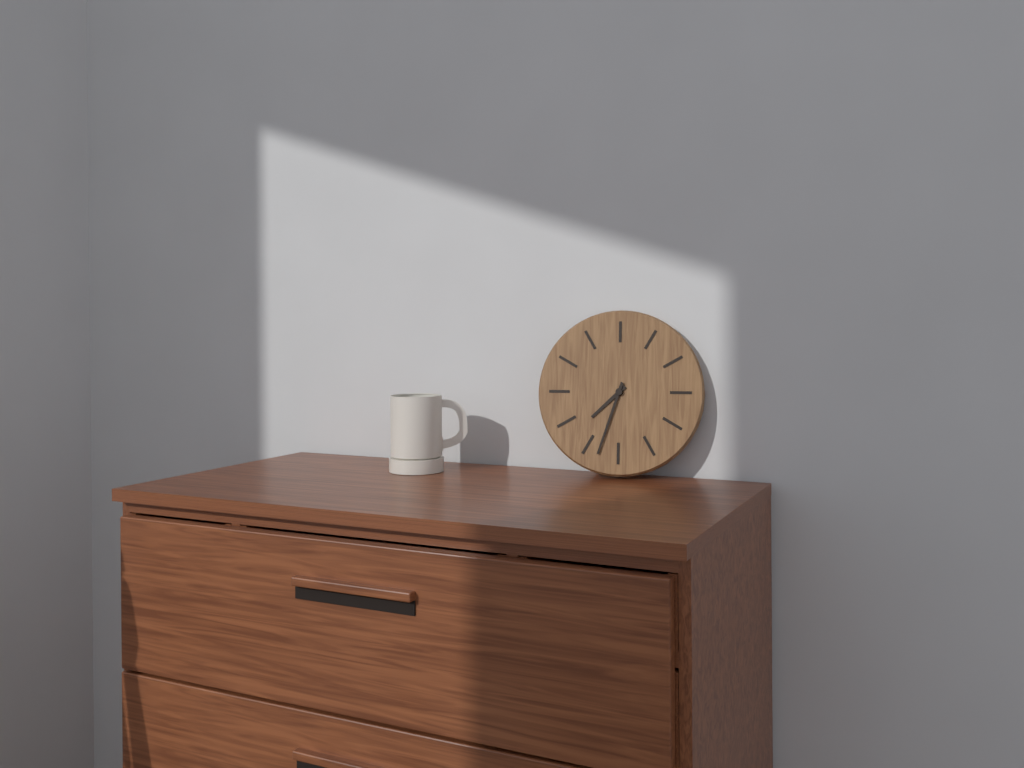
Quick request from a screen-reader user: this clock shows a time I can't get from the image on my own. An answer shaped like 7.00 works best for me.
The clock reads 7.33
